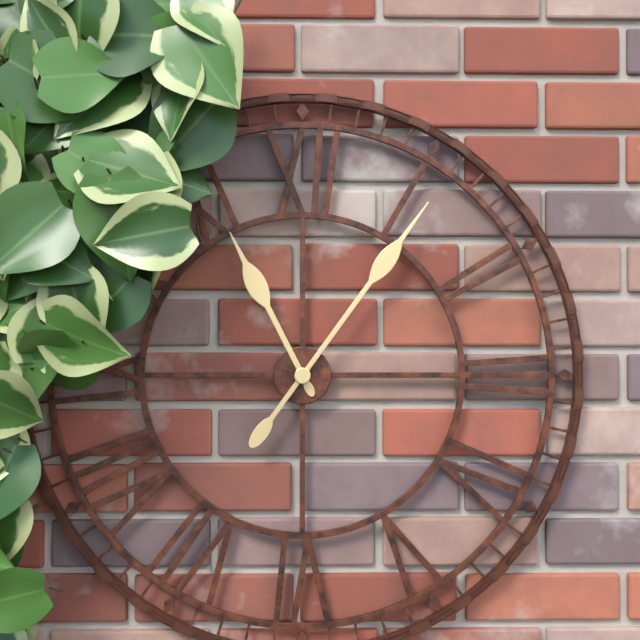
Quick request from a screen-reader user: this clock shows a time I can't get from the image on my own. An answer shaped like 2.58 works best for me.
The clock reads 11.06
